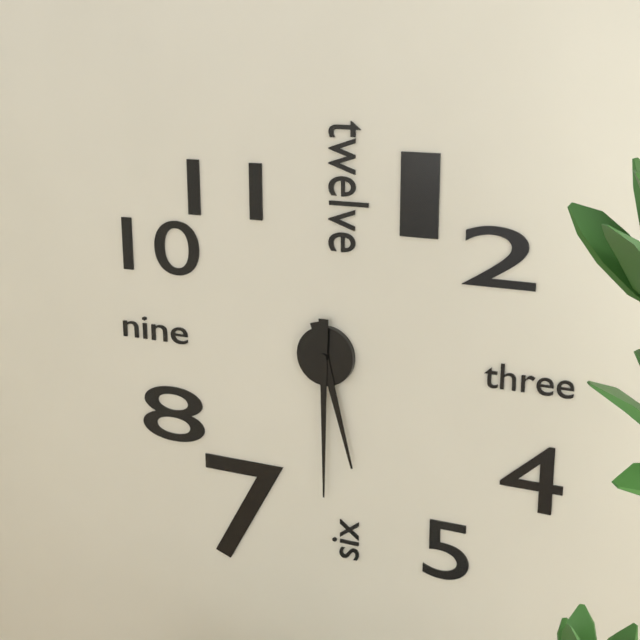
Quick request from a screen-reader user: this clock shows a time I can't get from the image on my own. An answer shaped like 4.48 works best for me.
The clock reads 5.30
